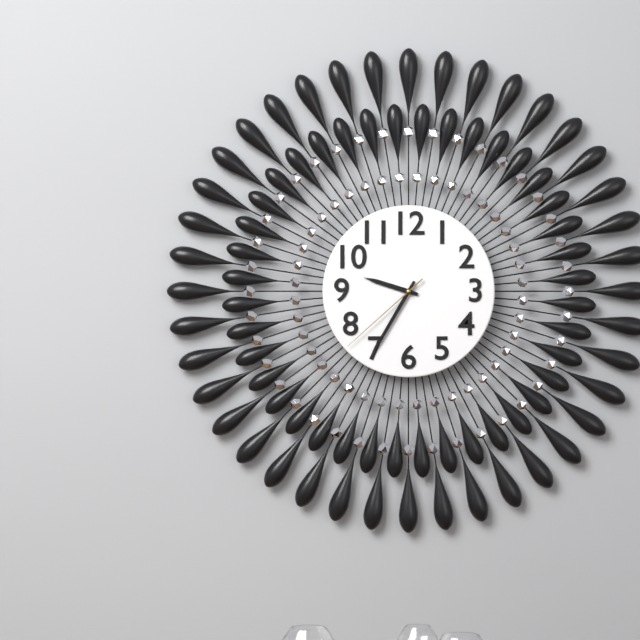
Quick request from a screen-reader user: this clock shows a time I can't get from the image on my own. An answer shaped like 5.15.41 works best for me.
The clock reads 9.35.38
